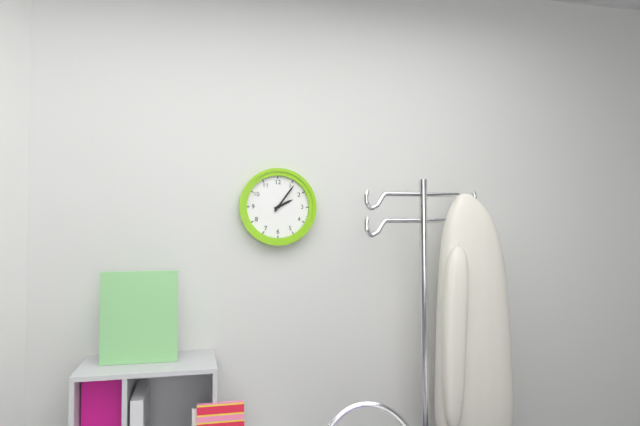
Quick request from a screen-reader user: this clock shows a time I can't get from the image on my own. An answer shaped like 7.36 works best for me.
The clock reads 2.06
